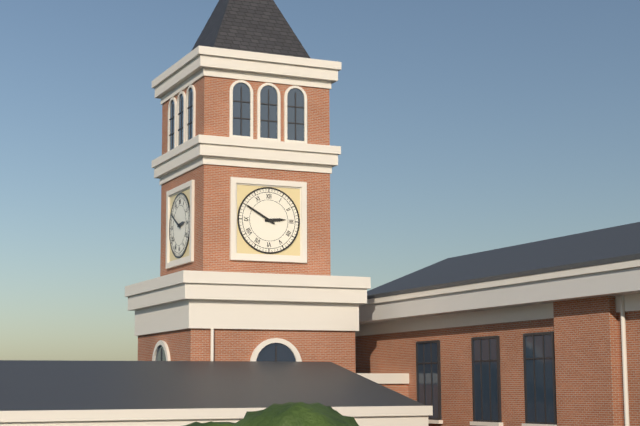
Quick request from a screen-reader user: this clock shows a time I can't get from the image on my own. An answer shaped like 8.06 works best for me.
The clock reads 2.50
